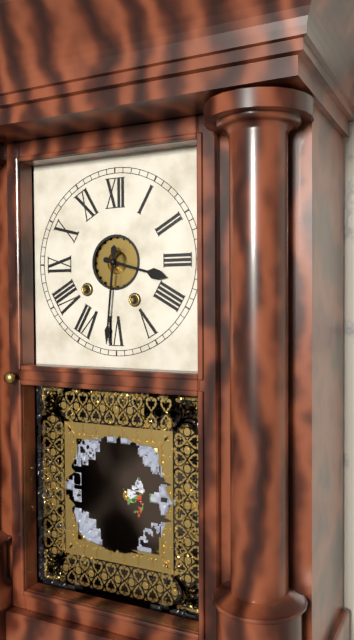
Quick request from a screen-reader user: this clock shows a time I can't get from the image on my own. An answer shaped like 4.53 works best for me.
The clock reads 3.31
